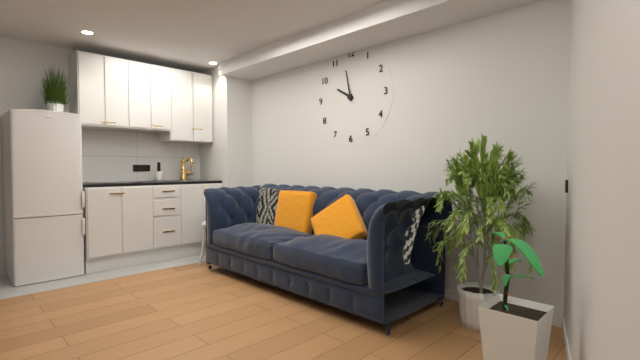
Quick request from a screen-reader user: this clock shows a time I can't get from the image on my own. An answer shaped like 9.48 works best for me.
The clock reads 9.58
